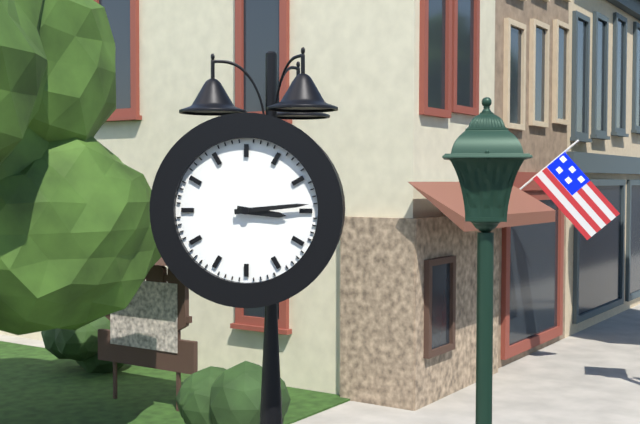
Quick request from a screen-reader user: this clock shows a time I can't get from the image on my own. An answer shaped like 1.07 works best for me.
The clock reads 3.14
